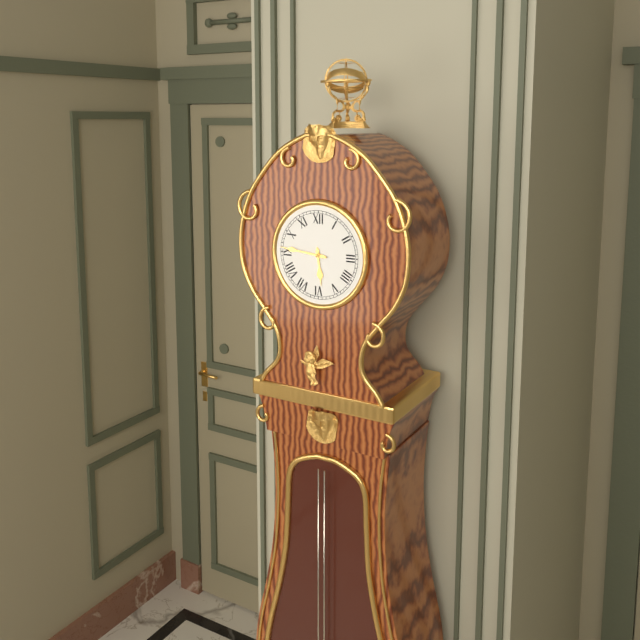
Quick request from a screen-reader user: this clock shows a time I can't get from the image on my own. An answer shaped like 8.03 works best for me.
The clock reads 5.46
